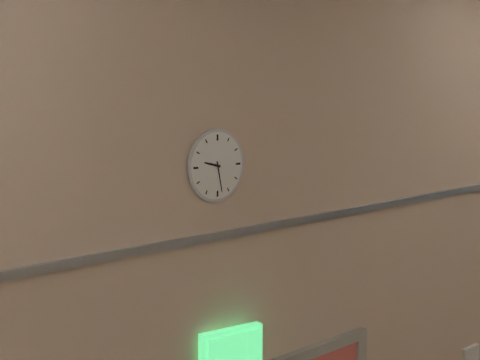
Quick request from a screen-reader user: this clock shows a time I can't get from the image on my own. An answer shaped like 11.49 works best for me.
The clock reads 9.28
